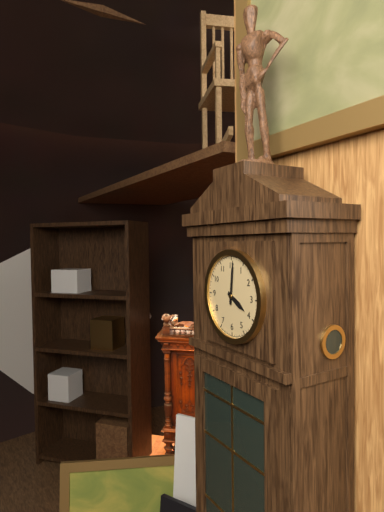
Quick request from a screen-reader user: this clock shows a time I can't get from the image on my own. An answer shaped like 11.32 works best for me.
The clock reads 4.01
